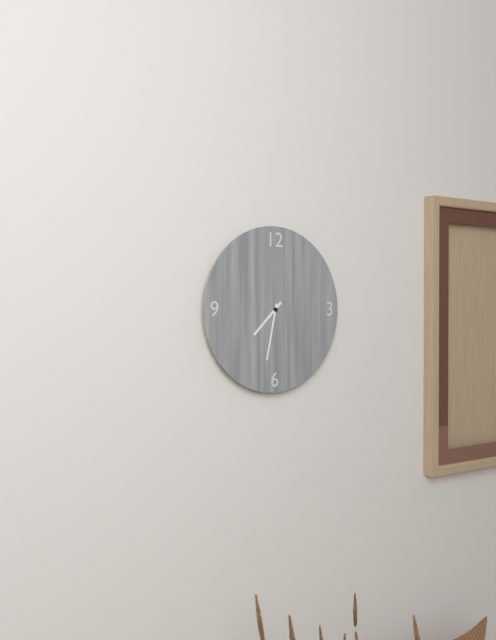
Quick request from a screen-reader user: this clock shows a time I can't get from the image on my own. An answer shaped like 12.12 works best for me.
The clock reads 7.32
